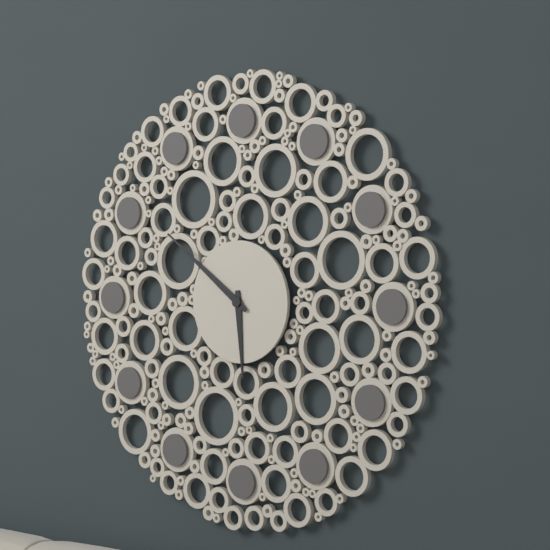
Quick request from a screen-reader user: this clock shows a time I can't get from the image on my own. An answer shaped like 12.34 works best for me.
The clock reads 5.51
